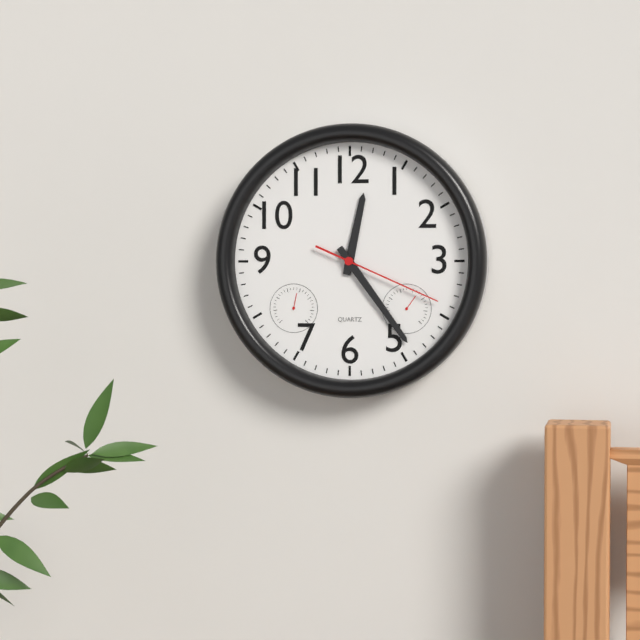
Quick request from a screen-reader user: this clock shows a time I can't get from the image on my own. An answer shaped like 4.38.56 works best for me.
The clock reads 12.24.19
